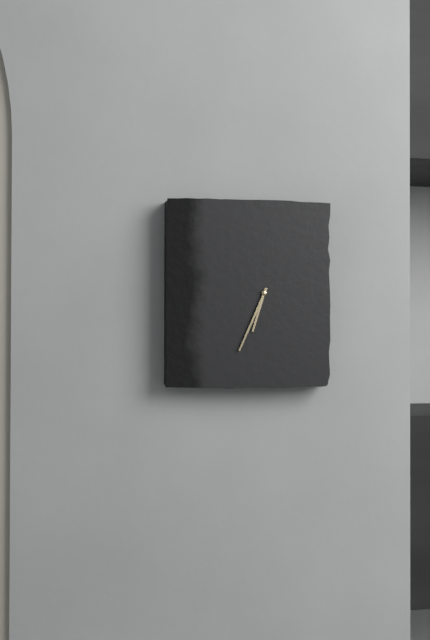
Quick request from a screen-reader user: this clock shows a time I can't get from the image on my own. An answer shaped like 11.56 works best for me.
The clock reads 6.34
